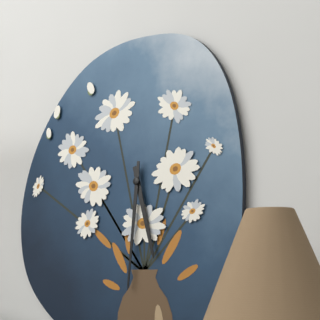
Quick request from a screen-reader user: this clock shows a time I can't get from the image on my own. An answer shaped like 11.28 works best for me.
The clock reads 5.31
